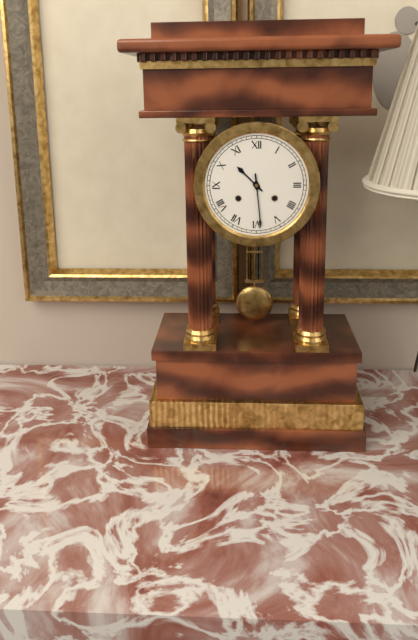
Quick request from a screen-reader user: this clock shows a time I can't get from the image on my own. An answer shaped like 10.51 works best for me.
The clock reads 10.29
